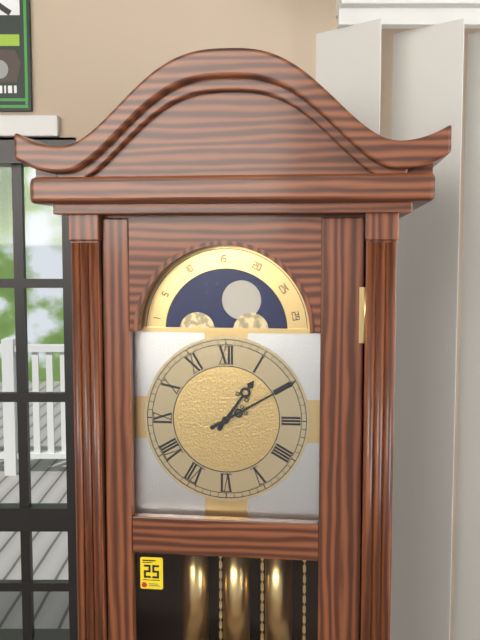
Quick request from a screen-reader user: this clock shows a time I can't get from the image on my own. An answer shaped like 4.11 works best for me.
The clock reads 1.10
